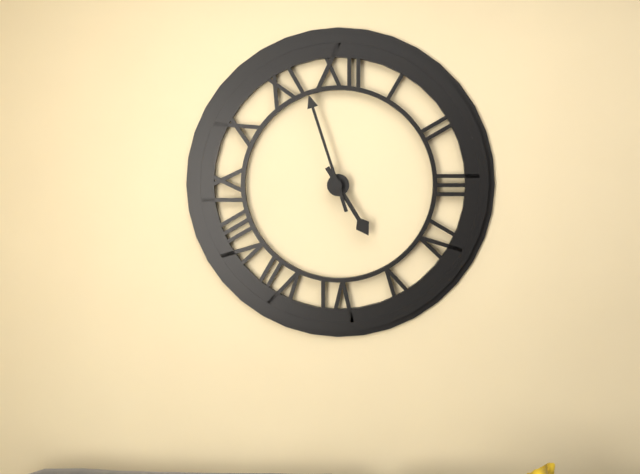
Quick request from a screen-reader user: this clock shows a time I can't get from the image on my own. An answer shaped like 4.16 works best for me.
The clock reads 4.57
